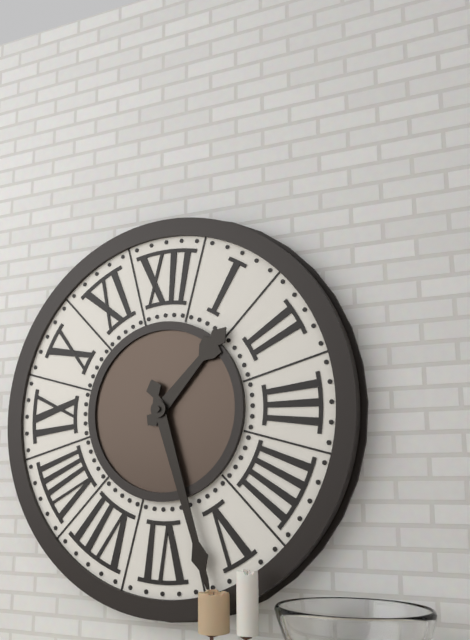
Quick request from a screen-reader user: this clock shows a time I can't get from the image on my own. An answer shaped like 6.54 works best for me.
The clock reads 1.27
